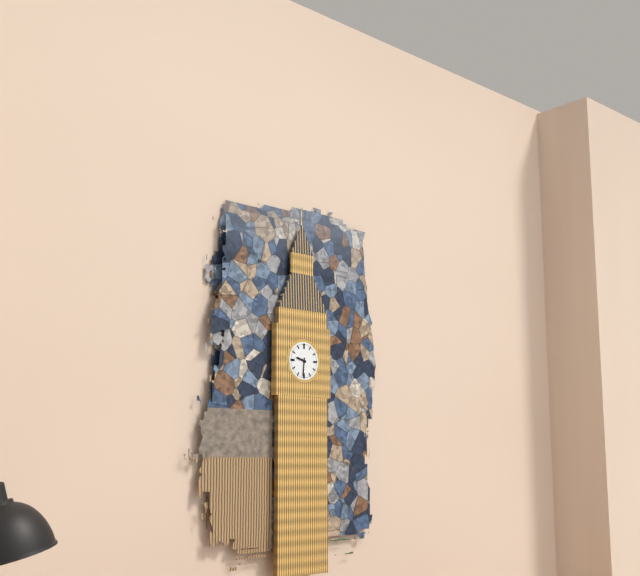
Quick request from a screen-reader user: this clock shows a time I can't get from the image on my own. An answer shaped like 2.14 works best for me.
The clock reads 9.31
